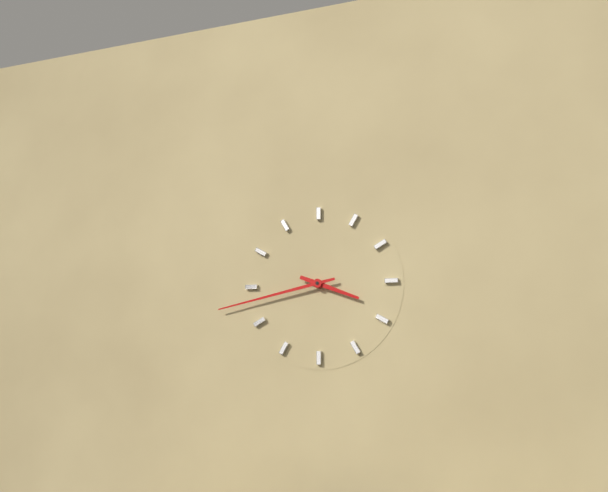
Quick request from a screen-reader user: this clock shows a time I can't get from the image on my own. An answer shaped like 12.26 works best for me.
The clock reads 3.43
